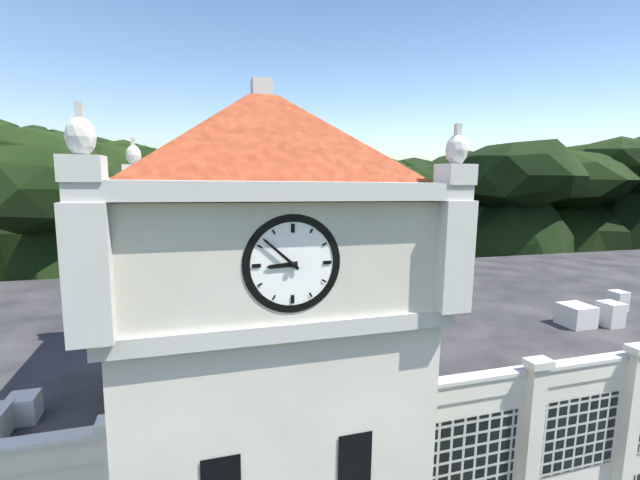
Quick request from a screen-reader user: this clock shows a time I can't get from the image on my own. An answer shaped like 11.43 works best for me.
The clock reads 8.52
